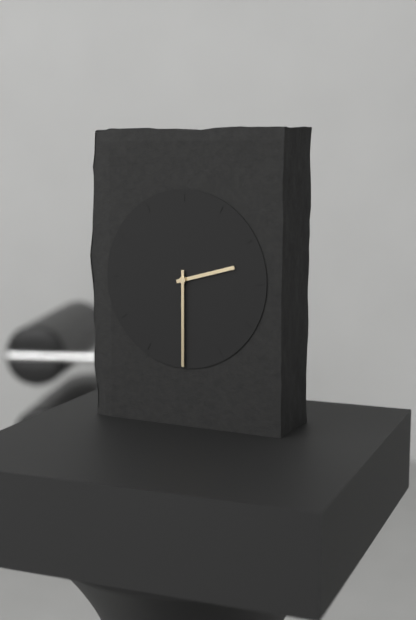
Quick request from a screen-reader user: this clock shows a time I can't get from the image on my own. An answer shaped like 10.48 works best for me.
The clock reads 2.30
